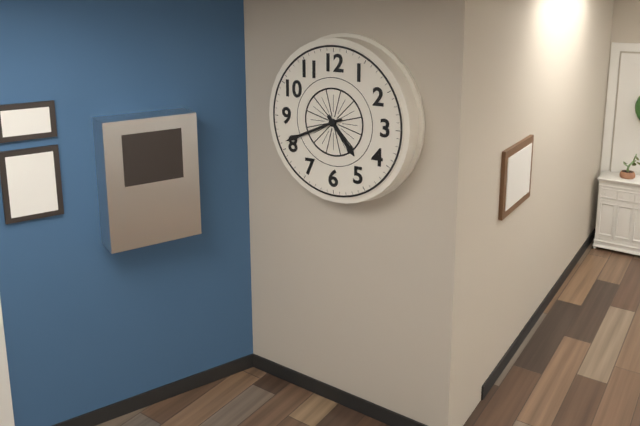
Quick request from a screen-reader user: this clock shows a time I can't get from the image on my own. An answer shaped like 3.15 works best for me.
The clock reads 4.41
